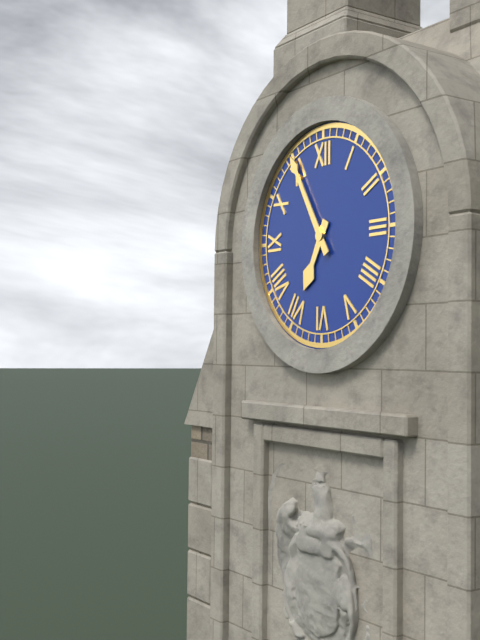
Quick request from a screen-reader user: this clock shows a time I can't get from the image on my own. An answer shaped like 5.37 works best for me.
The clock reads 6.55
